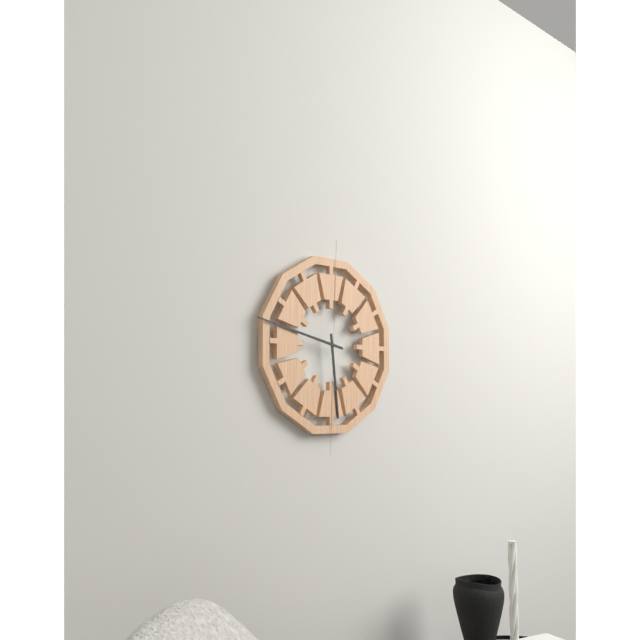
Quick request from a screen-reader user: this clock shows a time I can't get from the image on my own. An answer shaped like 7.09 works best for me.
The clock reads 5.47
